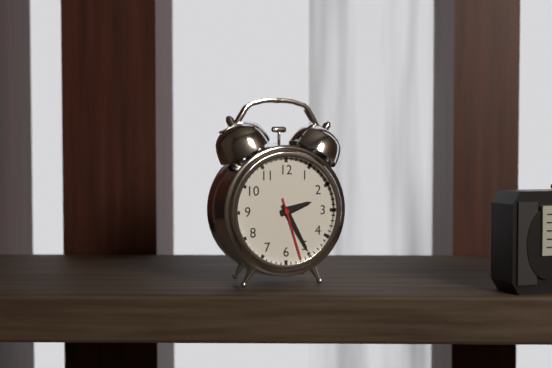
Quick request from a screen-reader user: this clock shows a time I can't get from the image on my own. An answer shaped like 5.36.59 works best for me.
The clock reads 2.25.27
